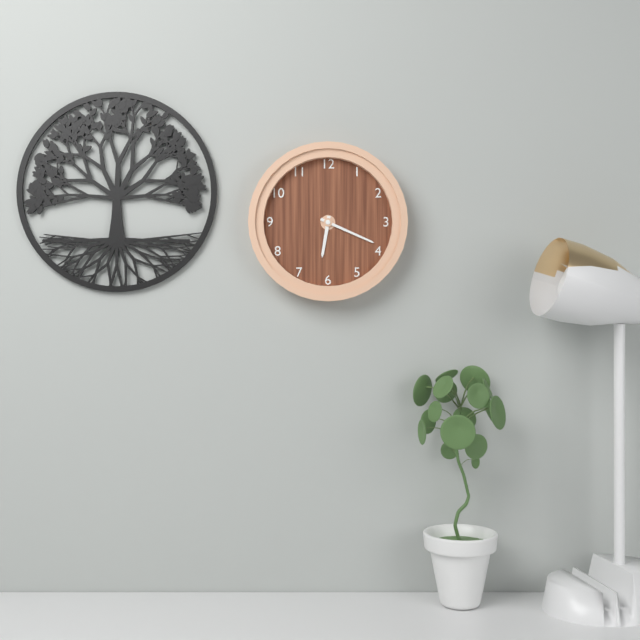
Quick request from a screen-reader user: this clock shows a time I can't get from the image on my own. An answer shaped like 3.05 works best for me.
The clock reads 6.19
